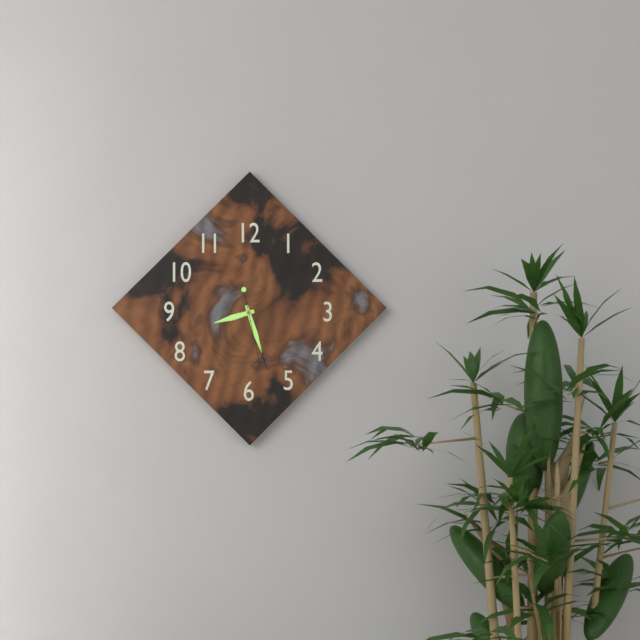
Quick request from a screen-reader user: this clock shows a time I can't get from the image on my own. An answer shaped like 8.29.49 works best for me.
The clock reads 8.27.28
